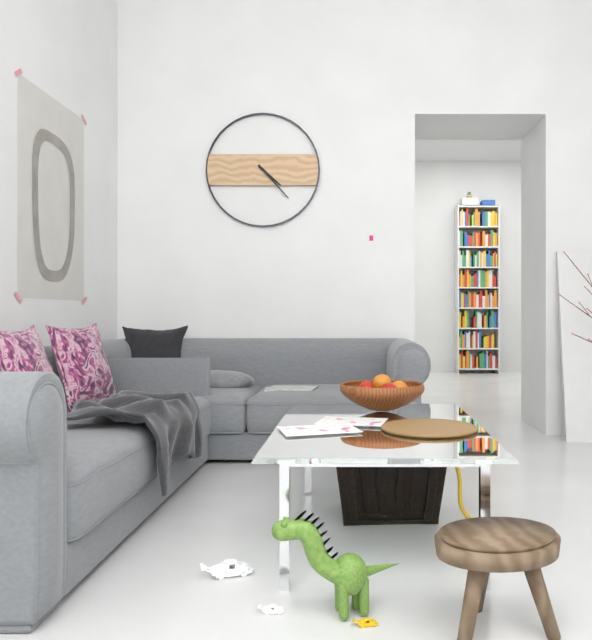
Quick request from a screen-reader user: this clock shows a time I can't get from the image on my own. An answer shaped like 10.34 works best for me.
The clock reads 4.23
